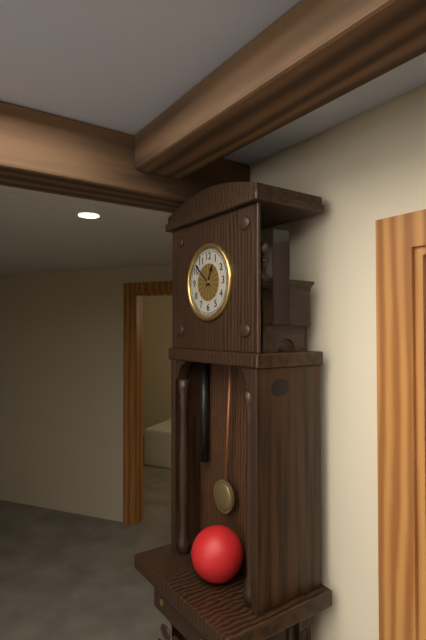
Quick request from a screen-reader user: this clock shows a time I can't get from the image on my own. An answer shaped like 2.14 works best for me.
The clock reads 12.52
